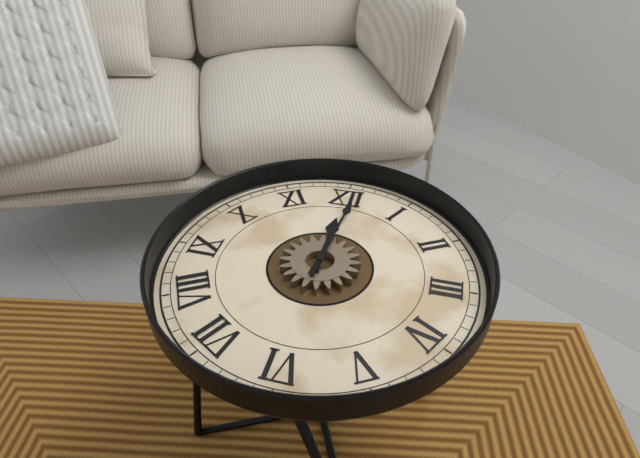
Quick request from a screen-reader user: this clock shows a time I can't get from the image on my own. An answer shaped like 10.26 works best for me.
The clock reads 12.01
